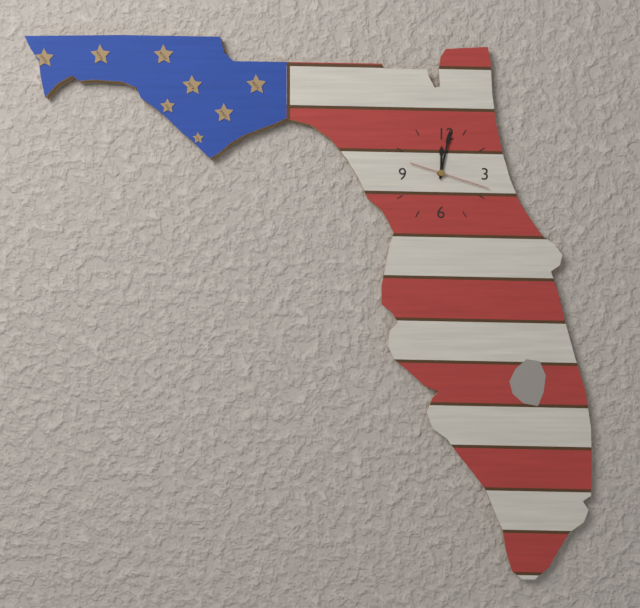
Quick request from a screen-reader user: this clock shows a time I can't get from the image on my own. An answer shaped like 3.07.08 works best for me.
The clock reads 12.02.18
